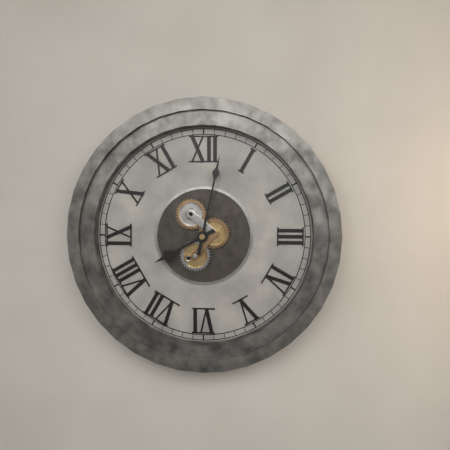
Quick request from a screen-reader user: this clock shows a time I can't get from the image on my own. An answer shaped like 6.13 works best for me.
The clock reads 8.02
